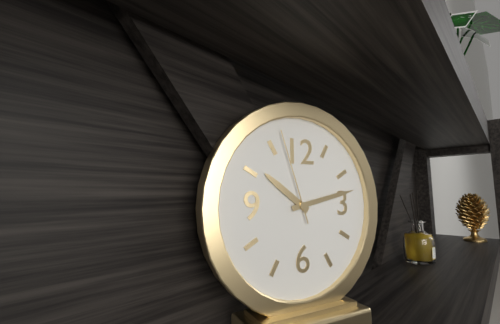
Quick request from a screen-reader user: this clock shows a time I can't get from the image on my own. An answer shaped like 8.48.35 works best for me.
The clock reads 10.13.57
